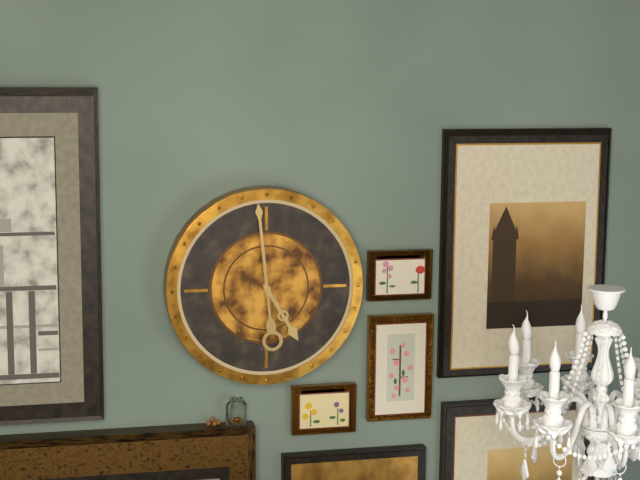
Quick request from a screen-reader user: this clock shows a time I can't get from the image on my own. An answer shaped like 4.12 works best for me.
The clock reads 4.59
